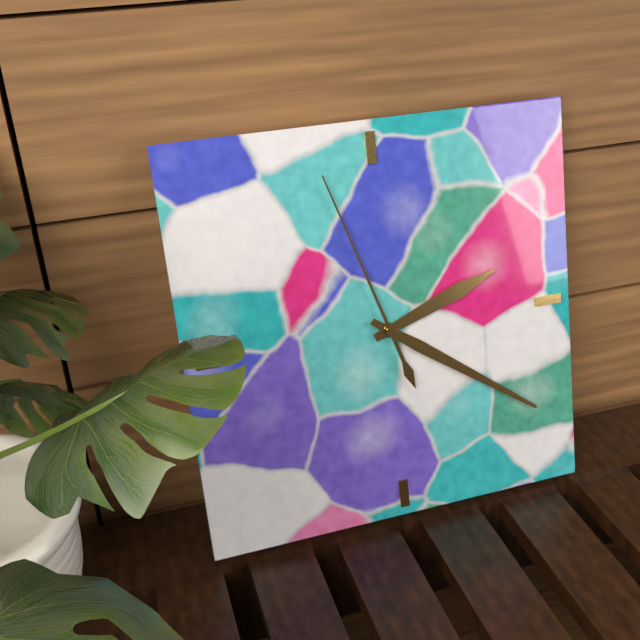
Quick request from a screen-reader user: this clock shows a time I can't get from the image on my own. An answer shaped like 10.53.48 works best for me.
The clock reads 2.21.57
